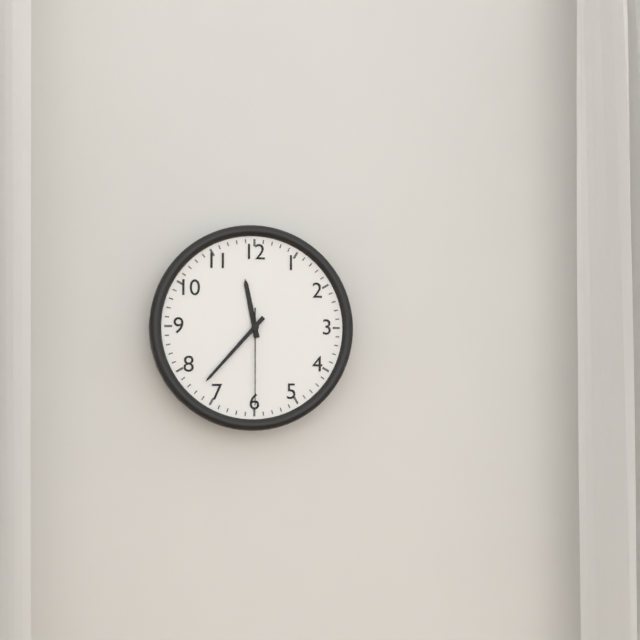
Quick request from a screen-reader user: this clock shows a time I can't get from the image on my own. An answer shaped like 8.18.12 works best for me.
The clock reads 11.37.30
